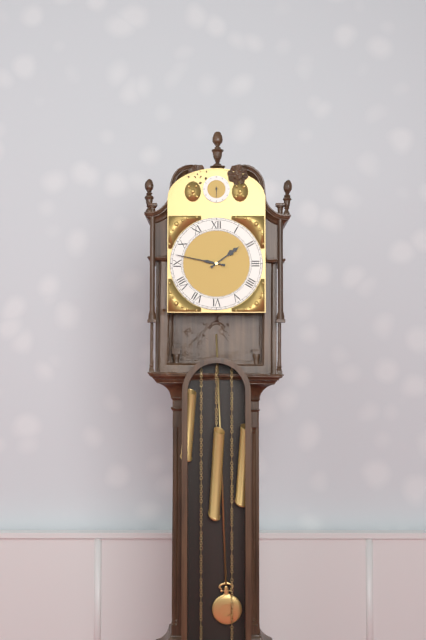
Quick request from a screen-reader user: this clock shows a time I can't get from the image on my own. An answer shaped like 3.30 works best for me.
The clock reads 1.47
